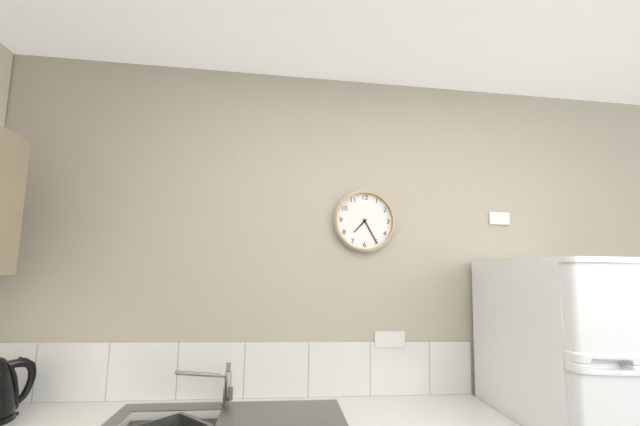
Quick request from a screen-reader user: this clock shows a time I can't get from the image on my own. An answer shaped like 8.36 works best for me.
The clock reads 7.25
